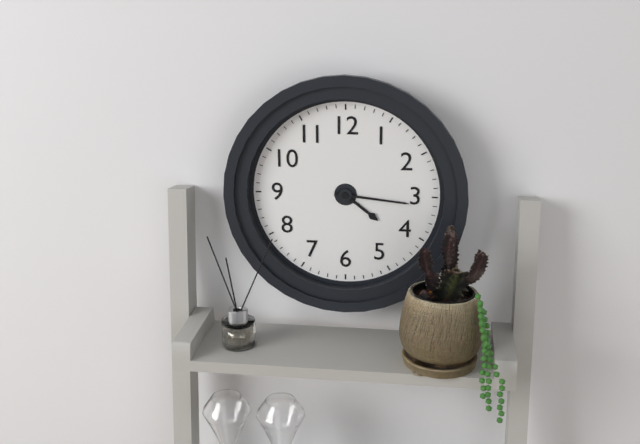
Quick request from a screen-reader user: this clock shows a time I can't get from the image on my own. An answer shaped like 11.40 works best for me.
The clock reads 4.16
